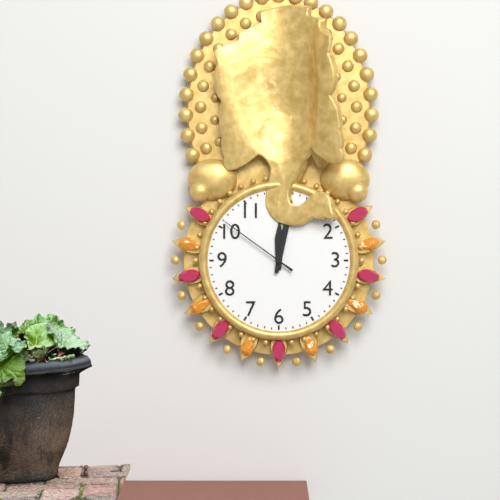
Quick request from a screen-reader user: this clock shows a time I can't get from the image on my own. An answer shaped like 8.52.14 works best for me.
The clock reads 12.02.51
